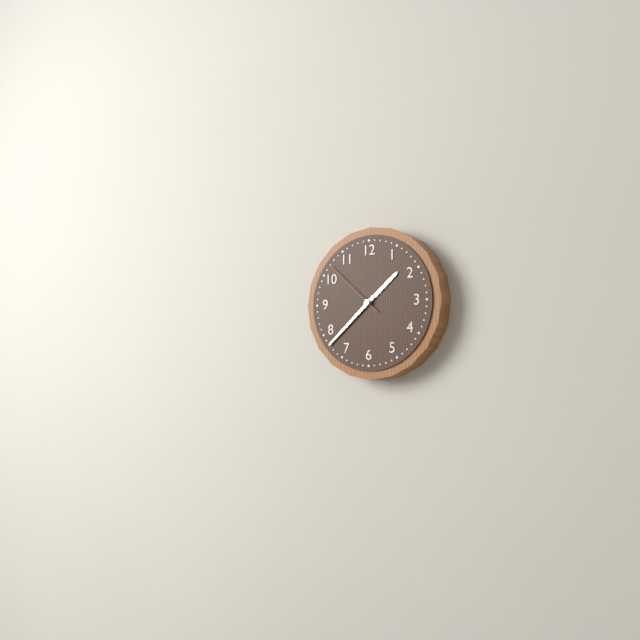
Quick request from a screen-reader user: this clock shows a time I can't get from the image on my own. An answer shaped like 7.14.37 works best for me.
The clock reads 1.38.52
